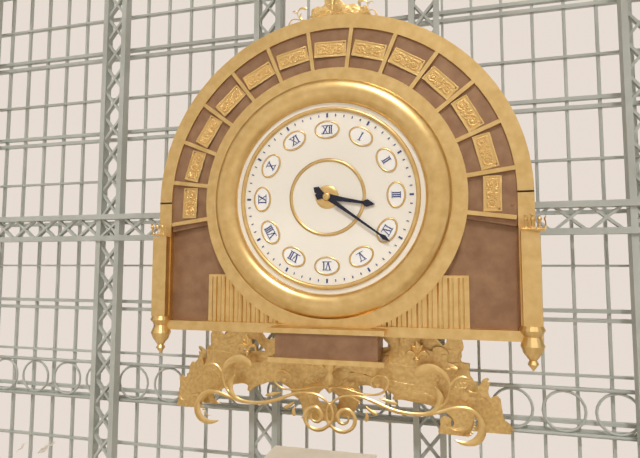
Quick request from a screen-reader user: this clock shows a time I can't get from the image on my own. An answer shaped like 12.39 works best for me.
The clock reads 3.21
